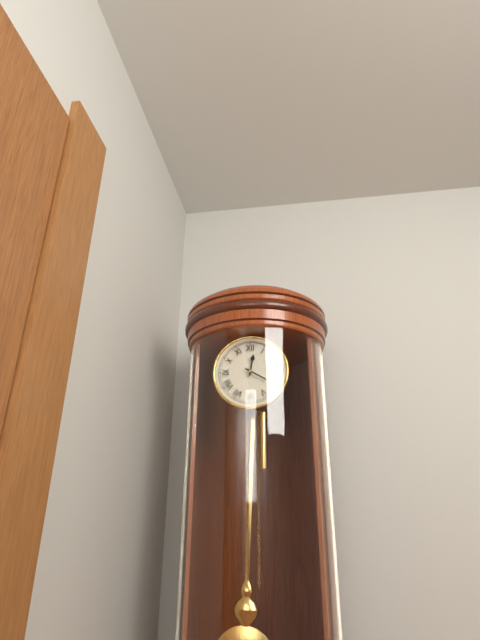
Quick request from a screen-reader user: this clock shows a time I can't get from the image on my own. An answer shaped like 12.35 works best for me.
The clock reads 12.20
